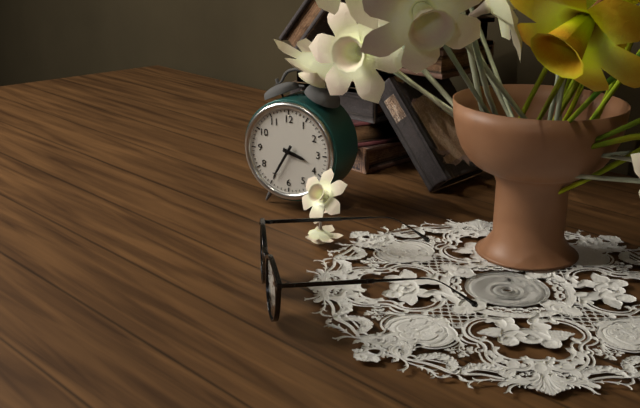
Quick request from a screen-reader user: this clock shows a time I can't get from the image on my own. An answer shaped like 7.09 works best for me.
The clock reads 3.35
